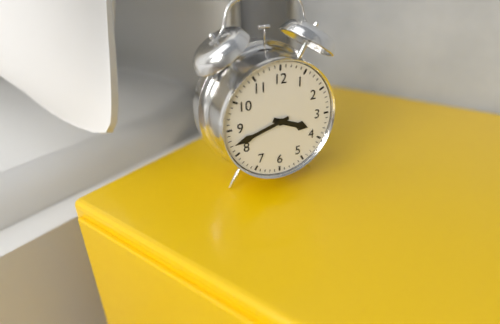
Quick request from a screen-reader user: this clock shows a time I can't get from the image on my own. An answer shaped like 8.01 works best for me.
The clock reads 3.42
